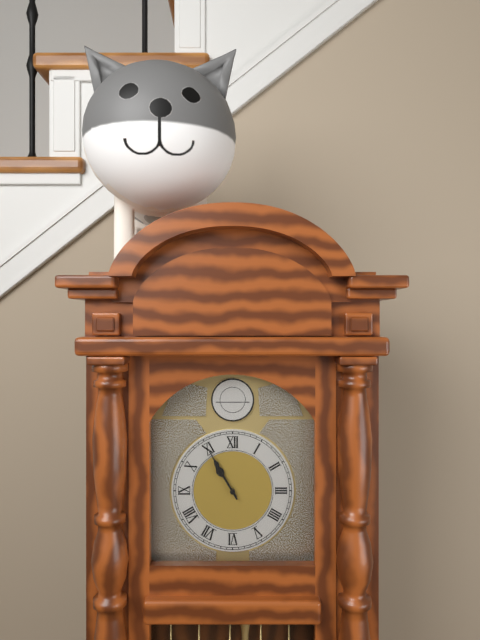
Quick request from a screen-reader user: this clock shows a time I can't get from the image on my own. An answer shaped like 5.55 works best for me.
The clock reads 10.55
